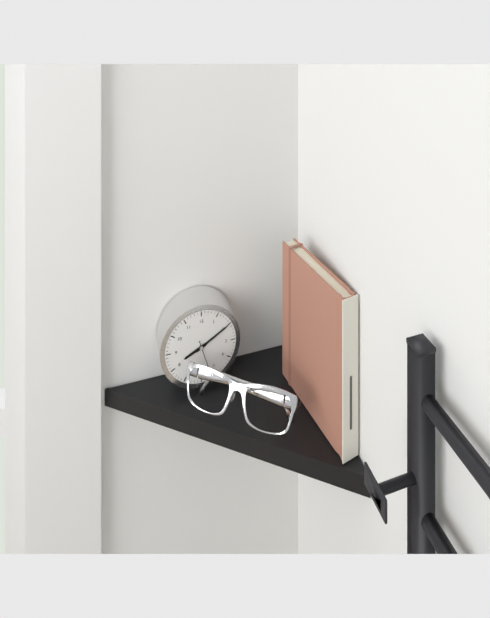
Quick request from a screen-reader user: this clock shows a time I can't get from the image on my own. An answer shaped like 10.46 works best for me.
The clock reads 8.10
